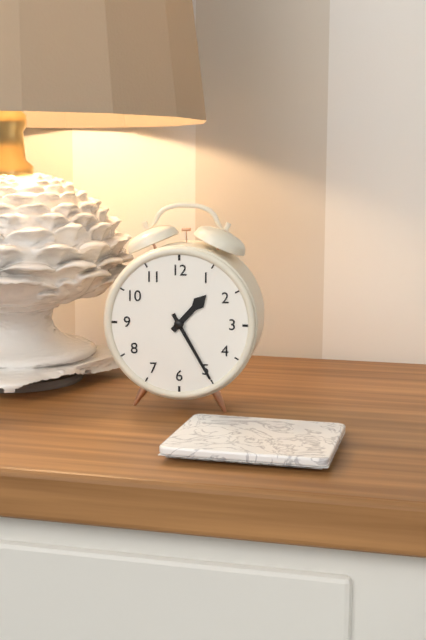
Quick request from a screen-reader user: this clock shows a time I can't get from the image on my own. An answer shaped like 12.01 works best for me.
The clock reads 1.25
